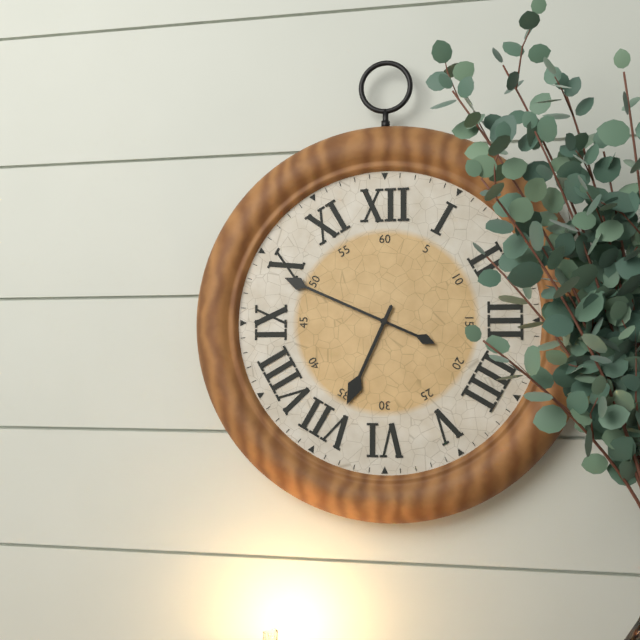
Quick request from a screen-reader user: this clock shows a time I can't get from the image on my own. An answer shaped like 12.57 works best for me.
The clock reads 6.49
